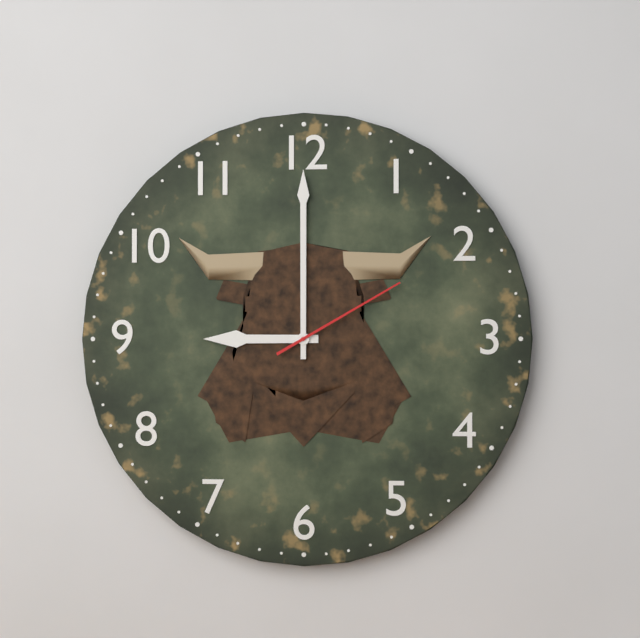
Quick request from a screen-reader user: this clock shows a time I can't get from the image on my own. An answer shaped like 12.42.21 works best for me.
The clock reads 9.00.10
